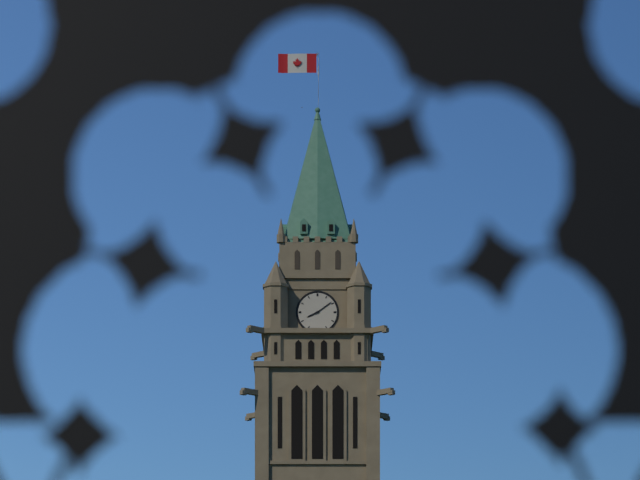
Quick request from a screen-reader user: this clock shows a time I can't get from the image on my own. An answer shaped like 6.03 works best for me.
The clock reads 8.09
